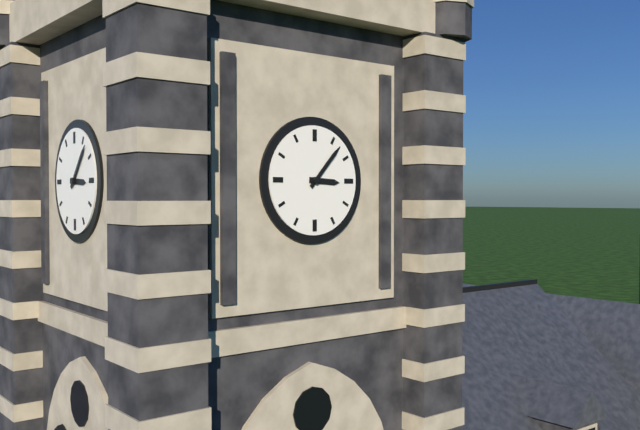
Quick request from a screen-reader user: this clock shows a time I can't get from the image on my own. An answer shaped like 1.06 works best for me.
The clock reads 3.07
